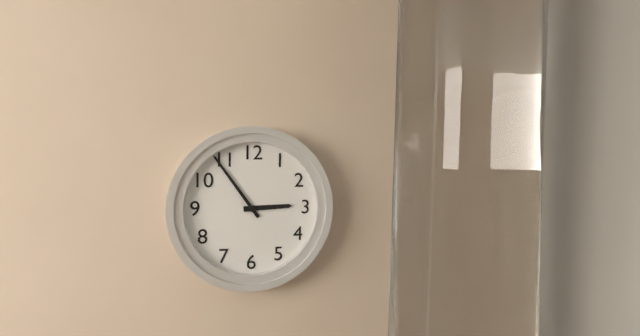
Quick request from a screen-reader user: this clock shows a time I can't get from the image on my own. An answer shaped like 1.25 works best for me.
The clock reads 2.54
